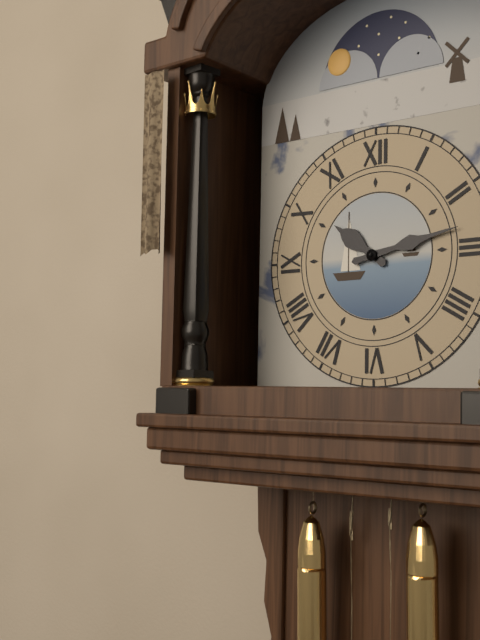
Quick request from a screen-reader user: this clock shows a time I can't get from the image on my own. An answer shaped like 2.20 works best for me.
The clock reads 10.13
